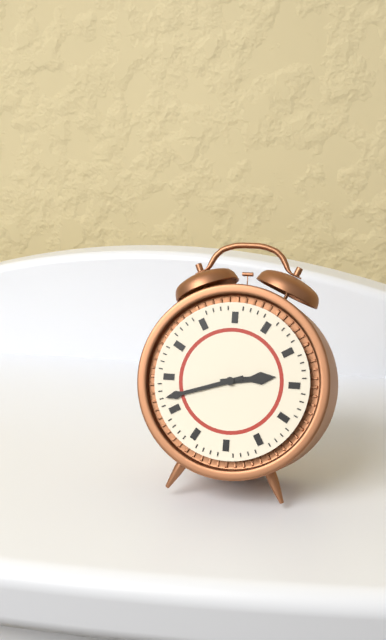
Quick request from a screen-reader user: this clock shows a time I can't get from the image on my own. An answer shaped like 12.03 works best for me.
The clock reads 2.42
